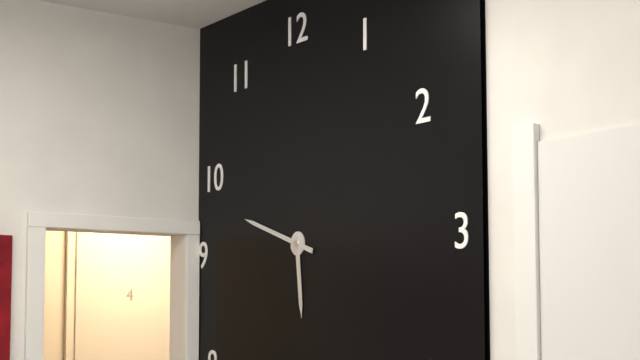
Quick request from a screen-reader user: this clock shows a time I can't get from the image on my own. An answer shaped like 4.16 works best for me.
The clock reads 5.48
